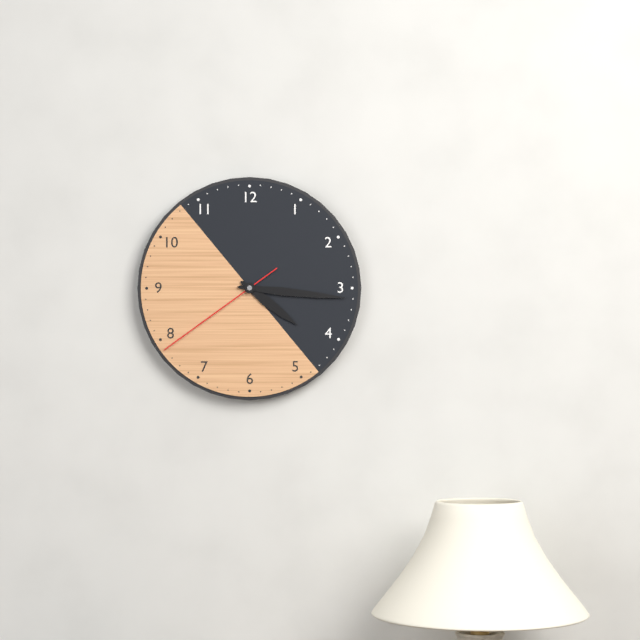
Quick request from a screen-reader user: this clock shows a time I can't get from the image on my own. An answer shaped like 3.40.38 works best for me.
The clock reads 4.16.39
